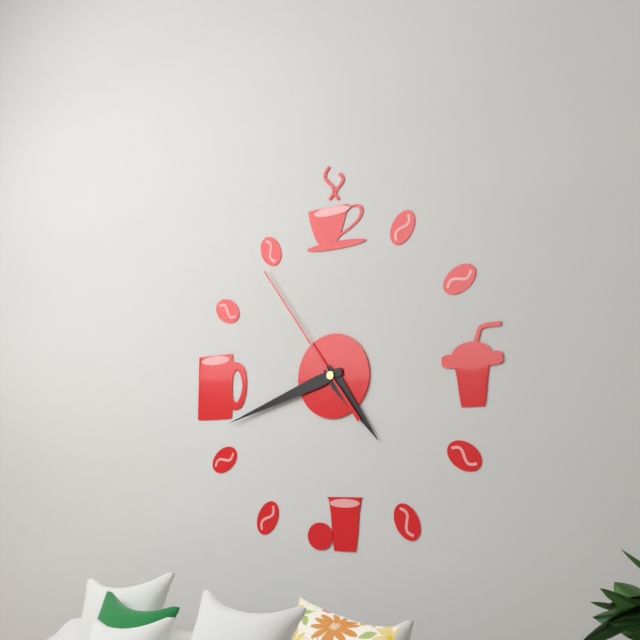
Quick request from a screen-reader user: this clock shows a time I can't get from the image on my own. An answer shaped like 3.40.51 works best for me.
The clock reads 4.42.54
